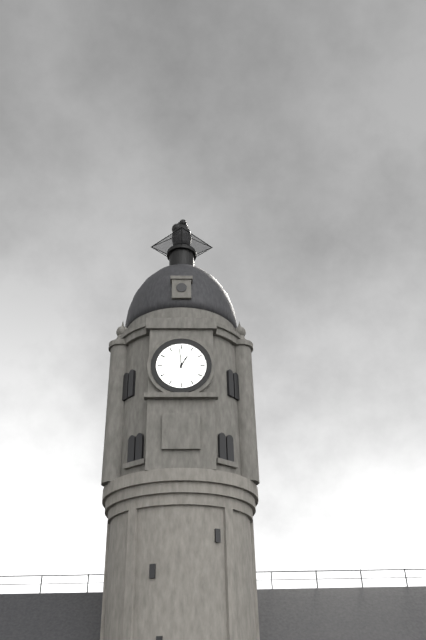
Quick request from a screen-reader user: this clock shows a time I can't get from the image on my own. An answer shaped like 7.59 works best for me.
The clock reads 12.59
